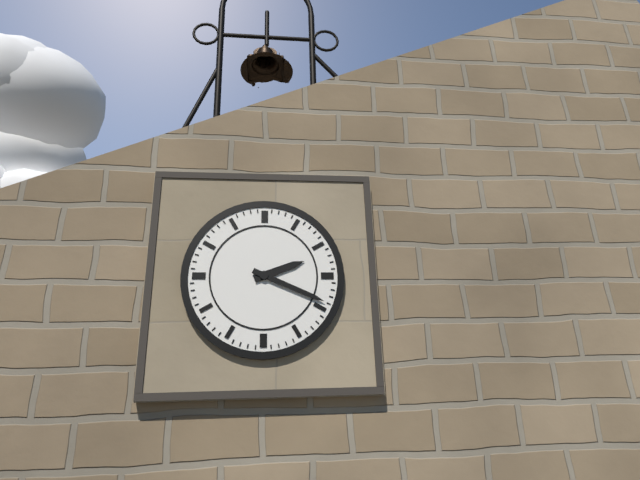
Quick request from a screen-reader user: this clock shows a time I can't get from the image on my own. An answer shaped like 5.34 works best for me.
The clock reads 2.19
